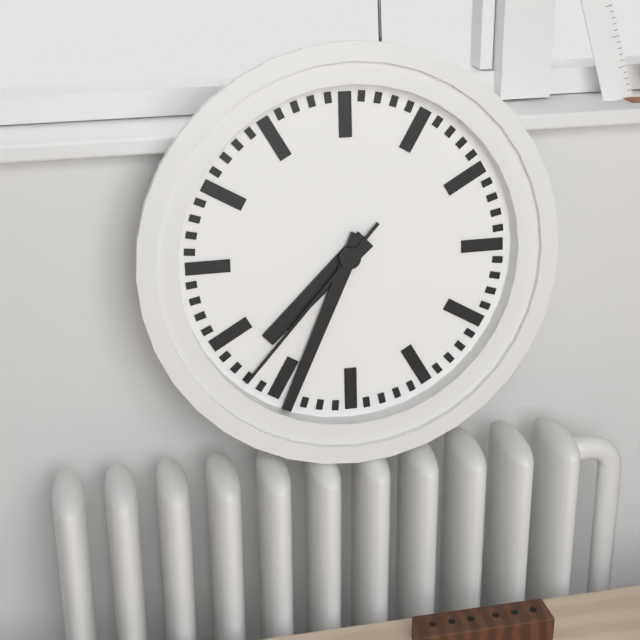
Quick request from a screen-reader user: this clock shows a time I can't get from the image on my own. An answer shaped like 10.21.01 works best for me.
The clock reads 7.34.37
